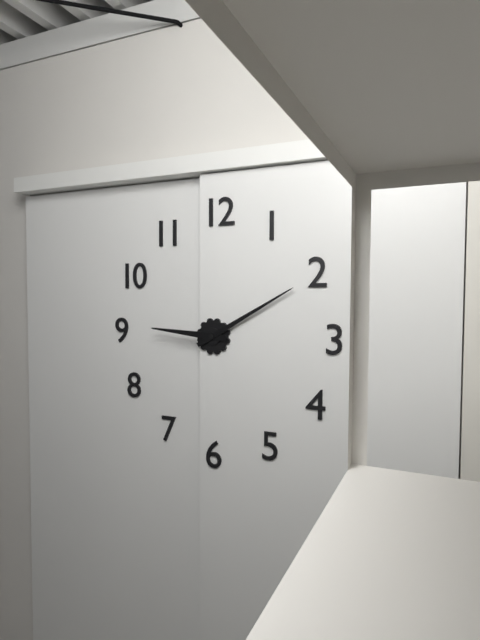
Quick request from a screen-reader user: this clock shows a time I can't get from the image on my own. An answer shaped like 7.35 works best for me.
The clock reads 9.10
